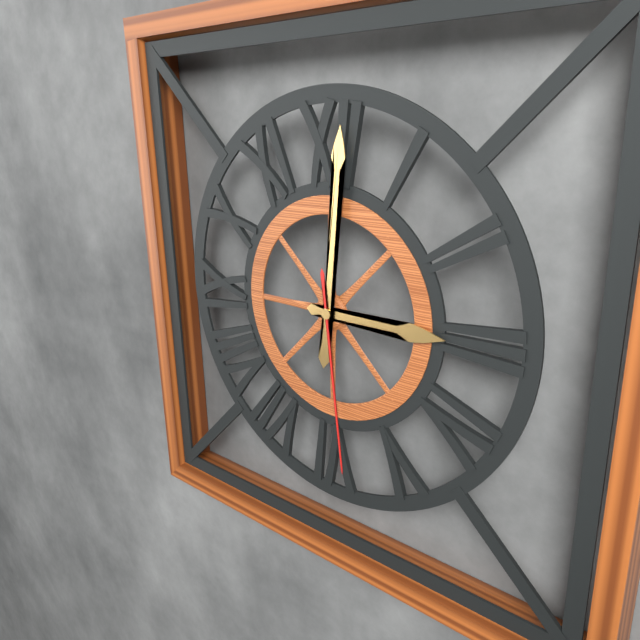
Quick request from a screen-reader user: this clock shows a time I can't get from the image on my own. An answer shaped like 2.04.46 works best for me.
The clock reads 3.01.29
